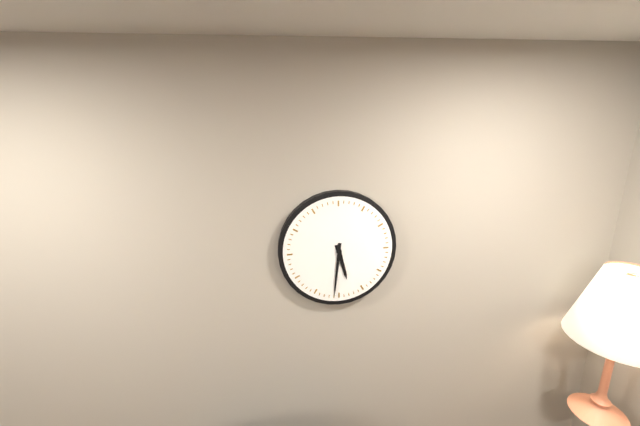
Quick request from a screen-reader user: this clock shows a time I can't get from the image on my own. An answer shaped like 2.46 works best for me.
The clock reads 5.31
